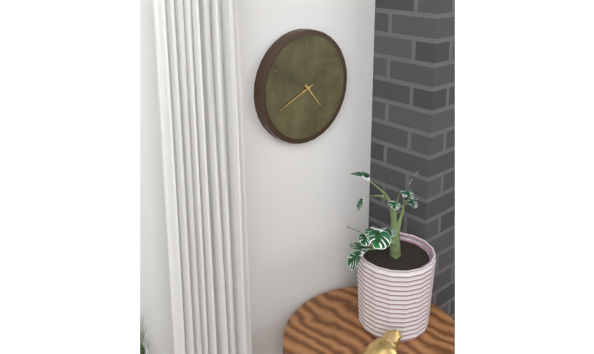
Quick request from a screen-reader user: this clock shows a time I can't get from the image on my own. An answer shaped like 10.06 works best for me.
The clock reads 4.41
